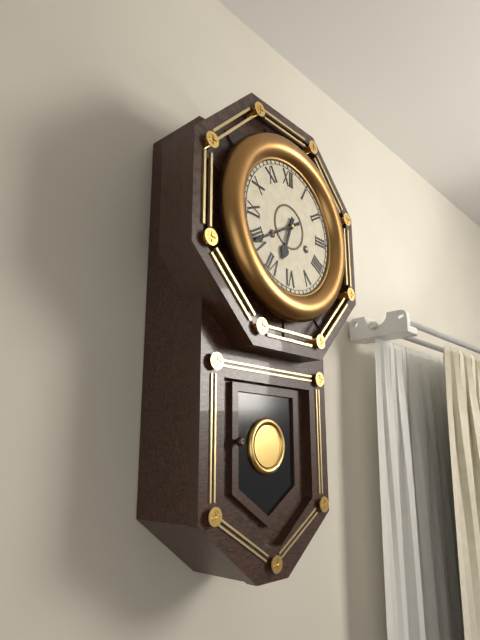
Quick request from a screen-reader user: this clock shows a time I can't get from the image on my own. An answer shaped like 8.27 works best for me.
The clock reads 6.40
